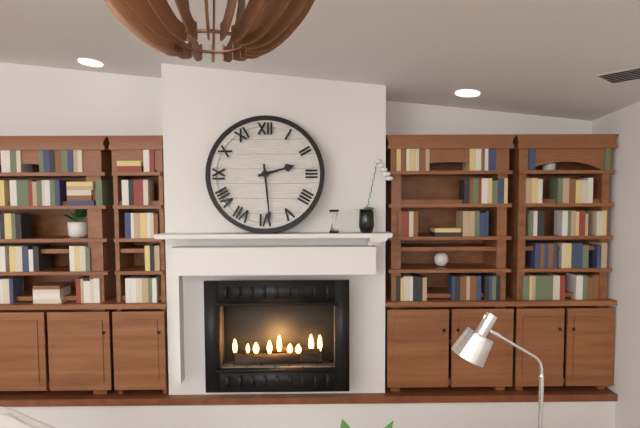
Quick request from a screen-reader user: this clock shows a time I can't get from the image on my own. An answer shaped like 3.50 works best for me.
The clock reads 2.29
